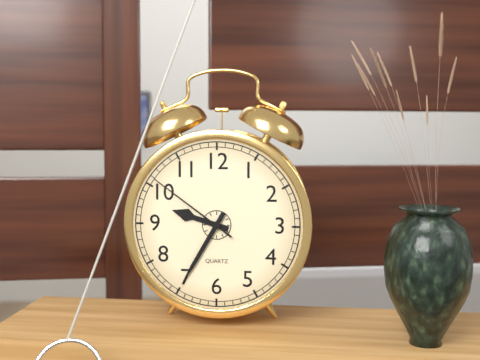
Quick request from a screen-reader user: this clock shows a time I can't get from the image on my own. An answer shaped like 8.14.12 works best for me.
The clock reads 9.35.51
